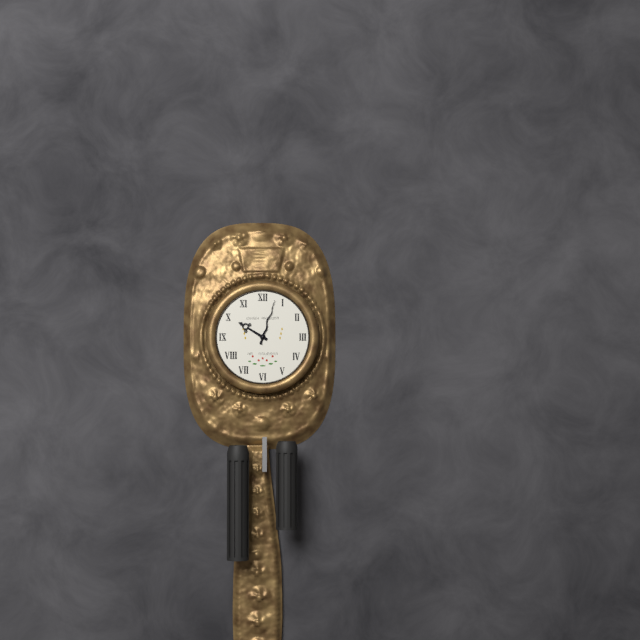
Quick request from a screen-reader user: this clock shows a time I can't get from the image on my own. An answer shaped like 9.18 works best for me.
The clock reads 10.03
